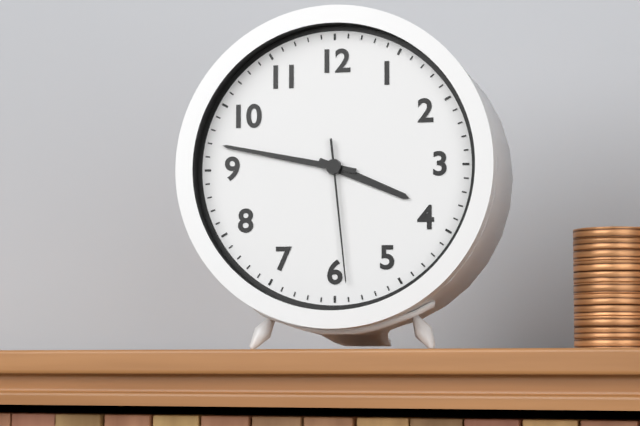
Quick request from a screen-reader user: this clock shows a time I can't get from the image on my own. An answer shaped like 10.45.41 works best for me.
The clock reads 3.47.29
